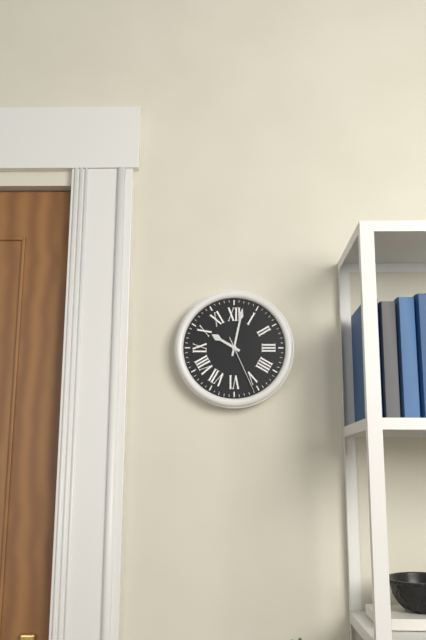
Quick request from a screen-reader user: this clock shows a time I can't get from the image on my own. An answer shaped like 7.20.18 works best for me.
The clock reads 10.02.26
